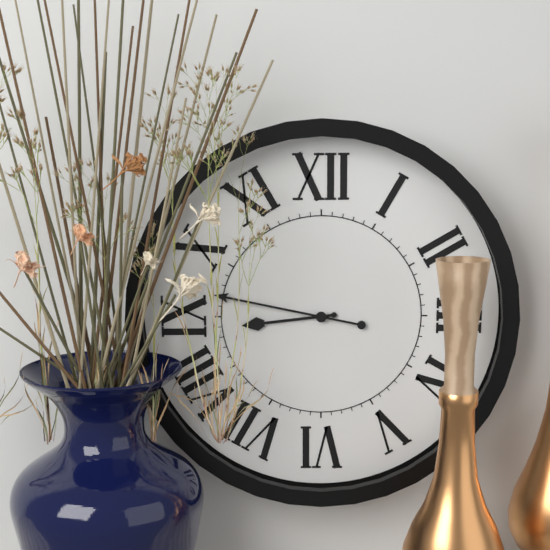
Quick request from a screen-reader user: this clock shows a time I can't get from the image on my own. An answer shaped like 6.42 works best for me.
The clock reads 8.47
